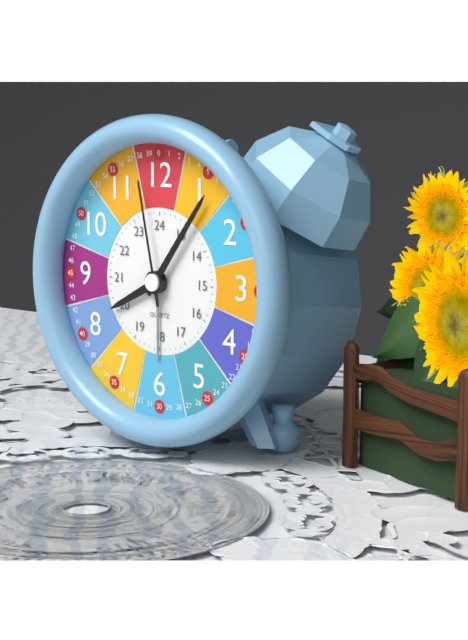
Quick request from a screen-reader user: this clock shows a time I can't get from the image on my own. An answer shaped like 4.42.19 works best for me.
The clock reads 8.06.58
